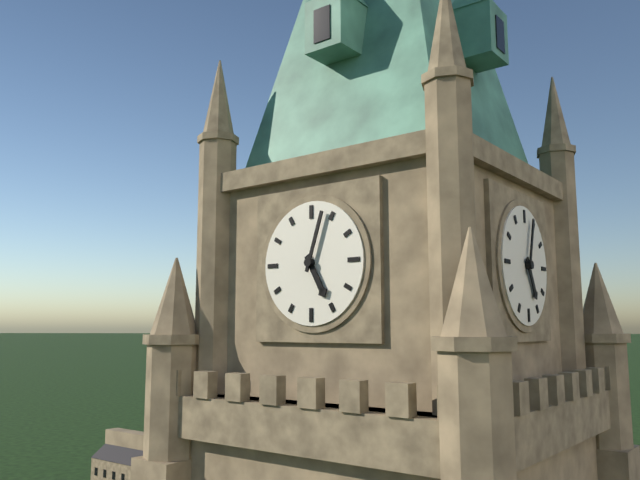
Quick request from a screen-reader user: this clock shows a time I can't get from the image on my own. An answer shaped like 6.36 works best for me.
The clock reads 5.03
